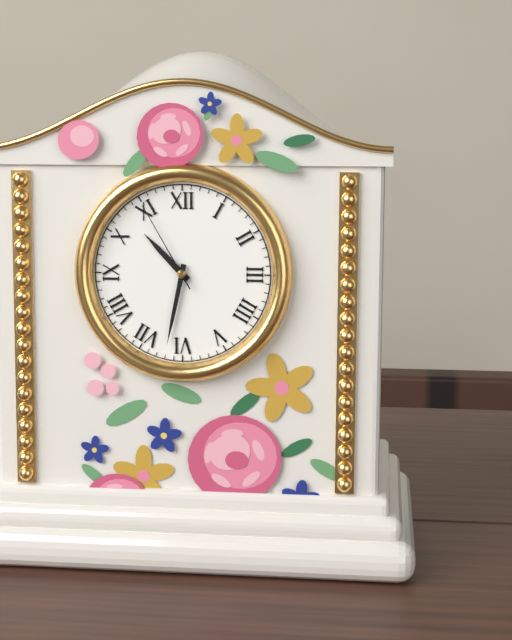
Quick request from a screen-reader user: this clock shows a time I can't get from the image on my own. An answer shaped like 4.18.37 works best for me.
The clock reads 10.32.55
